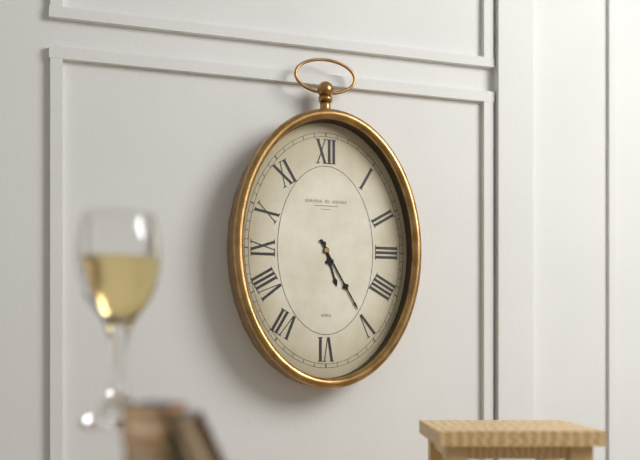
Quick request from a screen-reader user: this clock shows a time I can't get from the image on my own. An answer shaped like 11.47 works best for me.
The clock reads 5.25
